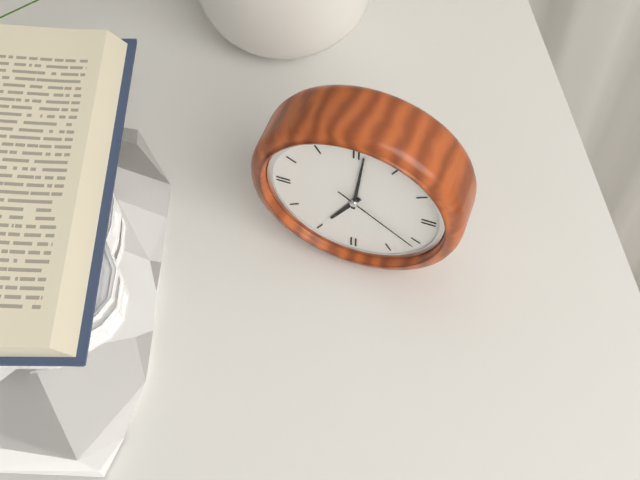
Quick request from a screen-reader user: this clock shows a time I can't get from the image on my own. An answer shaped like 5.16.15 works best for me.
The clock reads 7.01.21
